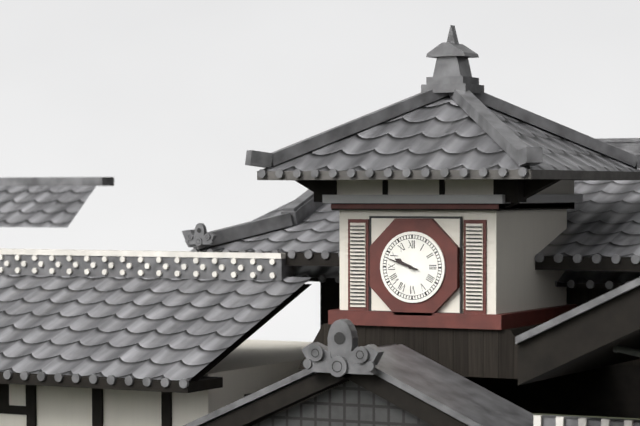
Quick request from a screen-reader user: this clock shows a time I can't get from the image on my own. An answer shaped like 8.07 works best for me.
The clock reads 9.48
